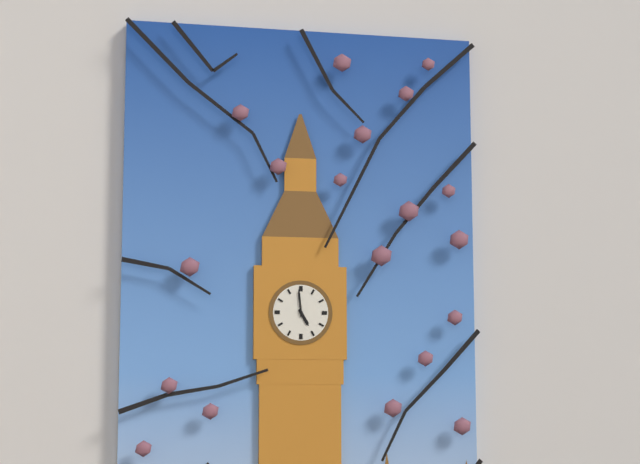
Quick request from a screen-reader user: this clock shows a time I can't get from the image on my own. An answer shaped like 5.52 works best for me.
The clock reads 4.59
